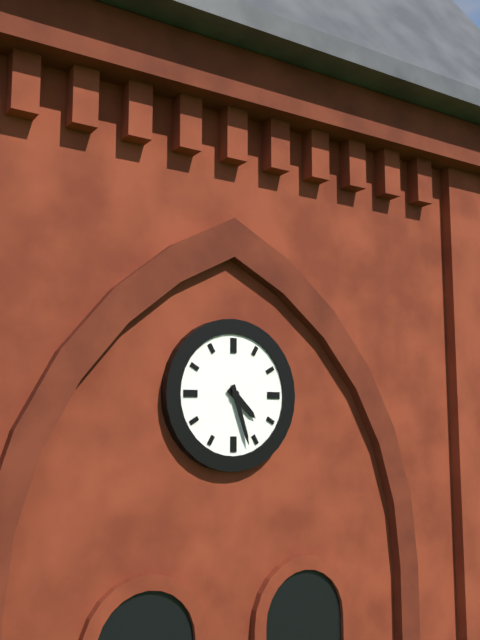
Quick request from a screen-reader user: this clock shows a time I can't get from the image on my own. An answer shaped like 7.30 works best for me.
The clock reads 4.27
